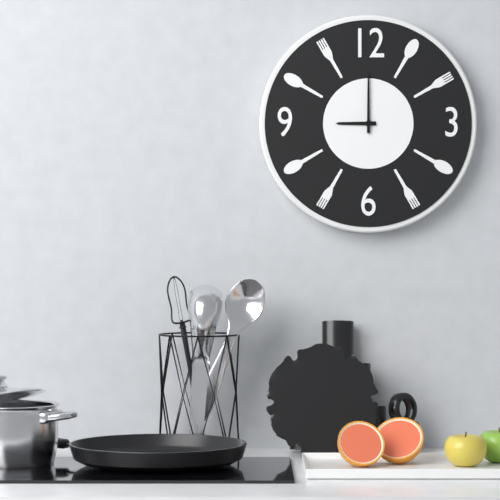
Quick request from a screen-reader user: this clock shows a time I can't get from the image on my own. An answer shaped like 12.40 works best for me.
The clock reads 9.00
